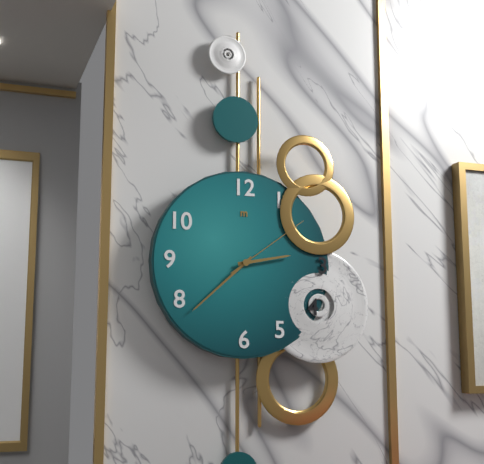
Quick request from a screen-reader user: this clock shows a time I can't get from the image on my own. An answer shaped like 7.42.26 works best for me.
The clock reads 2.38.09
